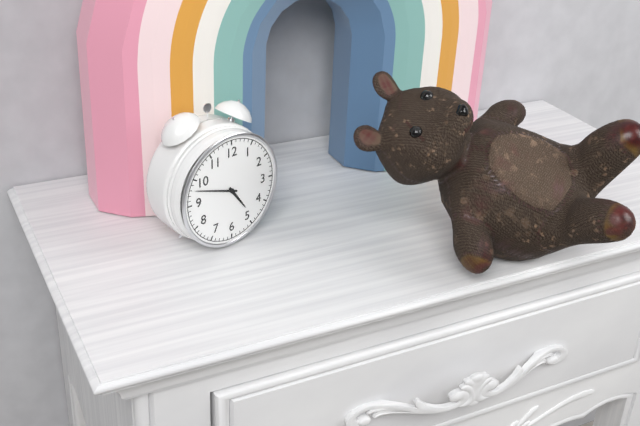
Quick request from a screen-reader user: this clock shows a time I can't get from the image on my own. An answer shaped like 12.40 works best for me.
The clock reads 4.48
